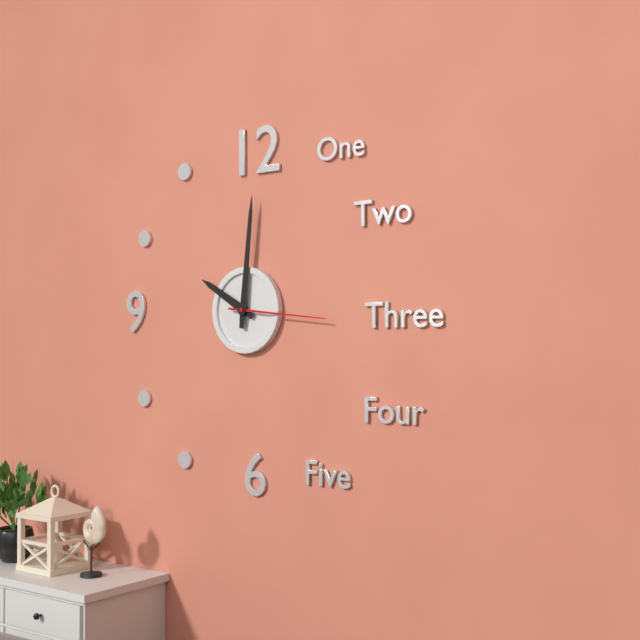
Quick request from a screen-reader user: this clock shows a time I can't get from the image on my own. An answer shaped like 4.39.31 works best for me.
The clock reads 10.01.16
